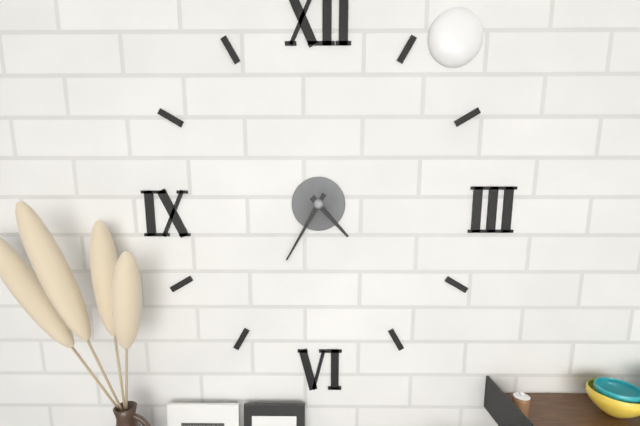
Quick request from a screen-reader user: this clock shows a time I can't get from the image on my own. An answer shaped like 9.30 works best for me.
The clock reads 4.35
